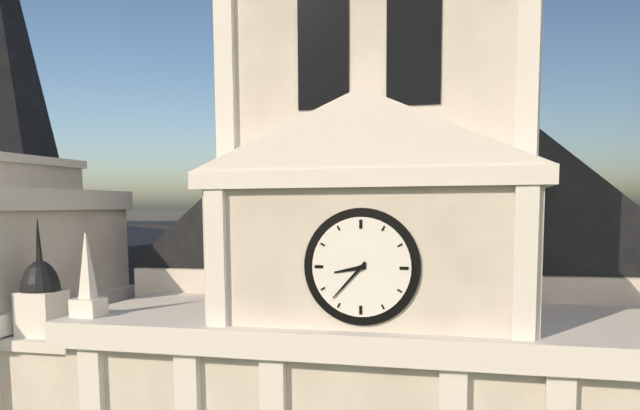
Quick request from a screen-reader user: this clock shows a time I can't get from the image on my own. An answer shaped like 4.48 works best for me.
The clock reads 8.37
